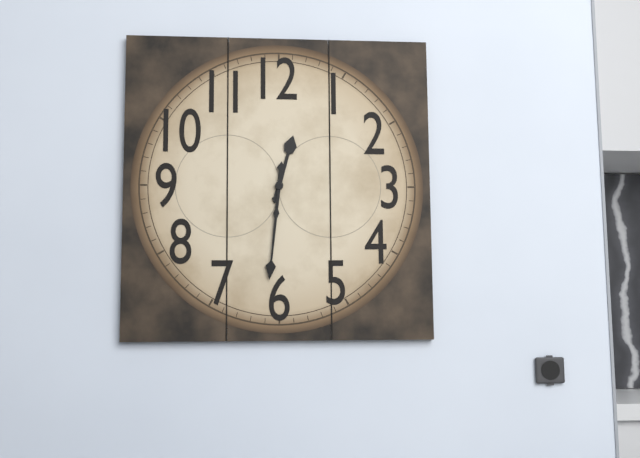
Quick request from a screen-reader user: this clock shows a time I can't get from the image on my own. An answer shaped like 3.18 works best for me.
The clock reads 12.31
